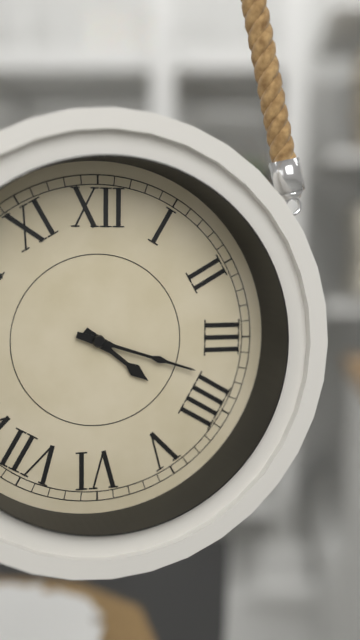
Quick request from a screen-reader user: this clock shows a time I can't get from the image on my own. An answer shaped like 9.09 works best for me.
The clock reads 4.18
